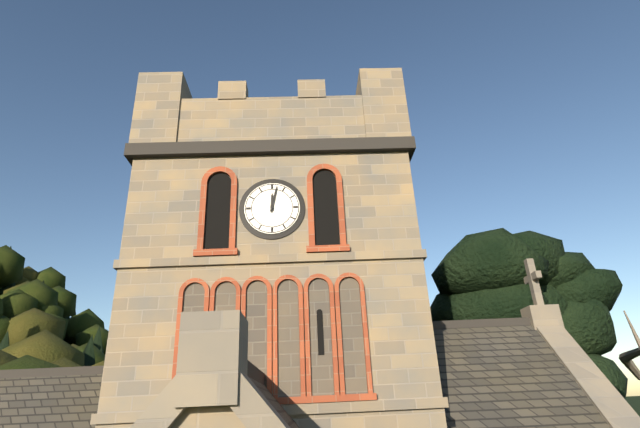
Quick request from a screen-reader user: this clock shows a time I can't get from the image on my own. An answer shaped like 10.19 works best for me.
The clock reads 12.02
